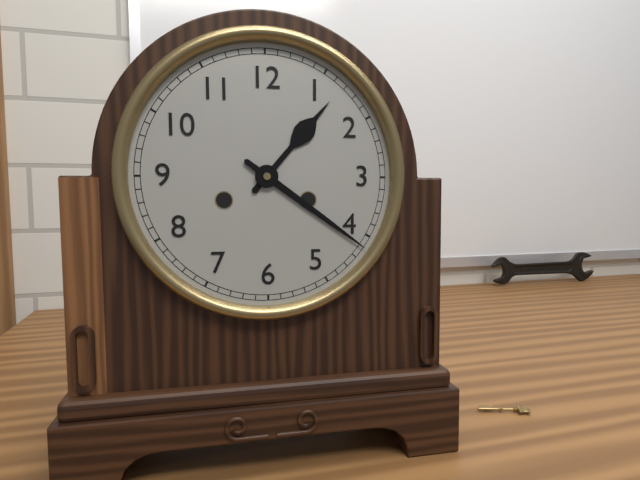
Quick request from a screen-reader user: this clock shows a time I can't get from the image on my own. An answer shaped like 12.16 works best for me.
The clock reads 1.21
